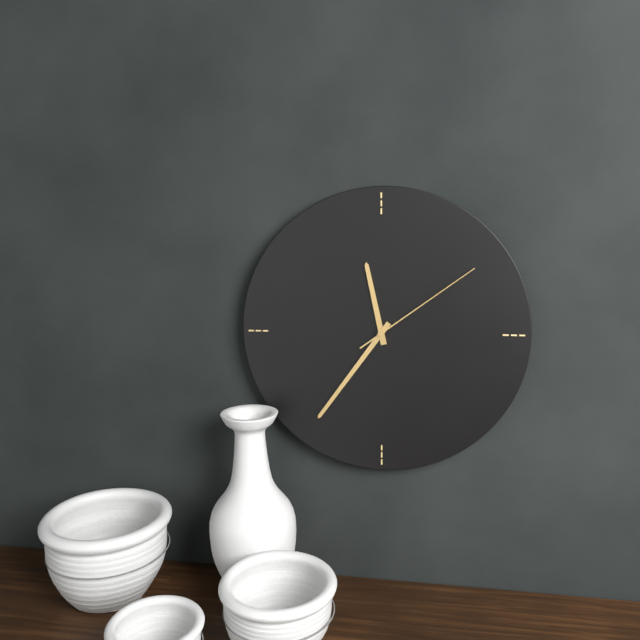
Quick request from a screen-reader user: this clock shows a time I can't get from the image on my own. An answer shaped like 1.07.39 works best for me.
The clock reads 11.36.09
